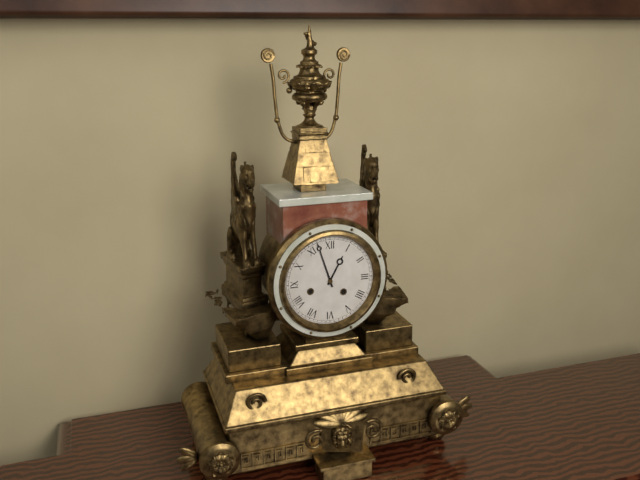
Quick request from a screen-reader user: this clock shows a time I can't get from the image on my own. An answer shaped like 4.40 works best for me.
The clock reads 12.57
